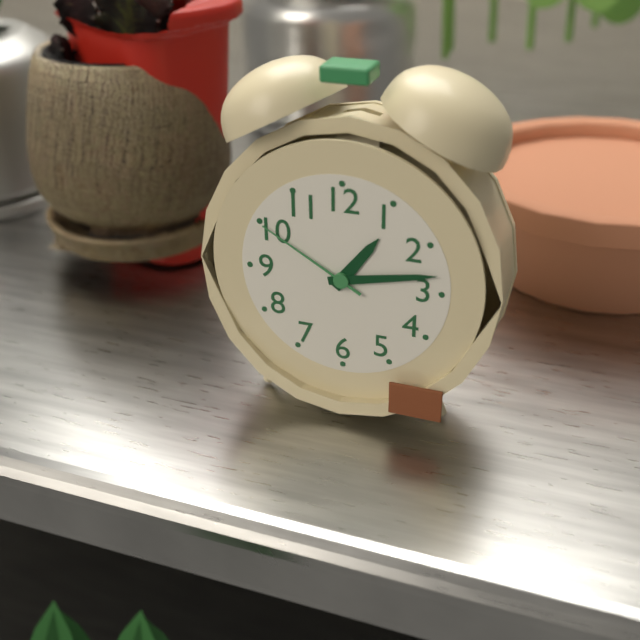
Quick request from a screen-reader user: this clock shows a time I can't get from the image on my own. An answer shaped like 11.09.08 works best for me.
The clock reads 1.13.50
